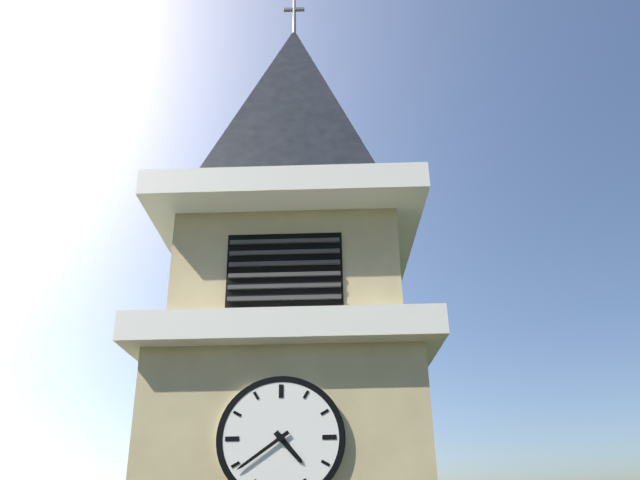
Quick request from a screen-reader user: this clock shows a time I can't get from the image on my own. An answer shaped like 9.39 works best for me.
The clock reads 4.39
